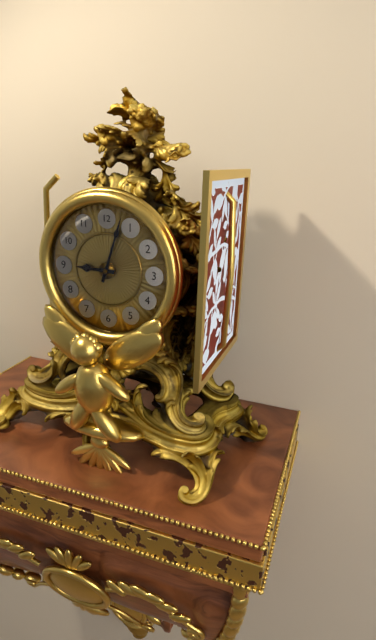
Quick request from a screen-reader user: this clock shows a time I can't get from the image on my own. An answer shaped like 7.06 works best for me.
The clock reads 9.03
